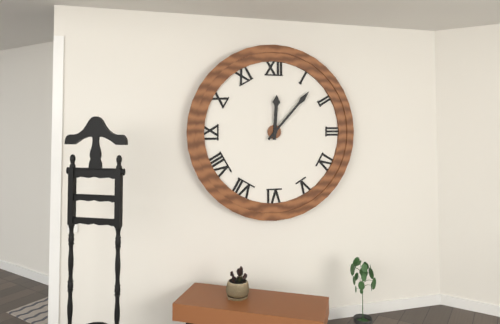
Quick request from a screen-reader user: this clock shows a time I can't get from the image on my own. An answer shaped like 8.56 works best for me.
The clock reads 12.07
